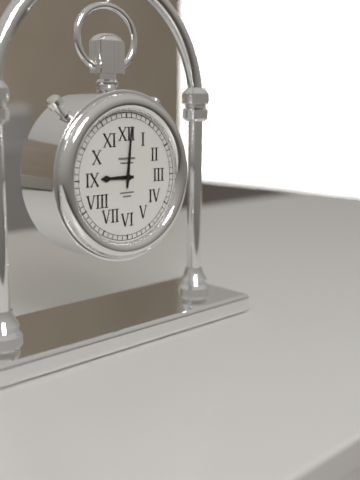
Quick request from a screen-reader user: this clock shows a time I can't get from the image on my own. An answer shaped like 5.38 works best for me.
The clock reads 9.01
